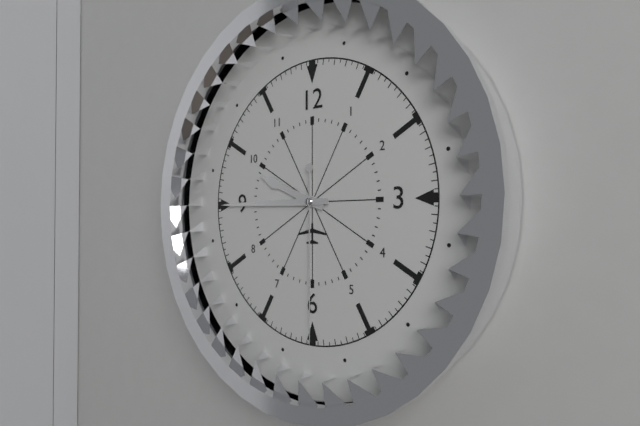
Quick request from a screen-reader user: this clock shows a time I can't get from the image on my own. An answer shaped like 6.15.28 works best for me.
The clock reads 9.45.30
